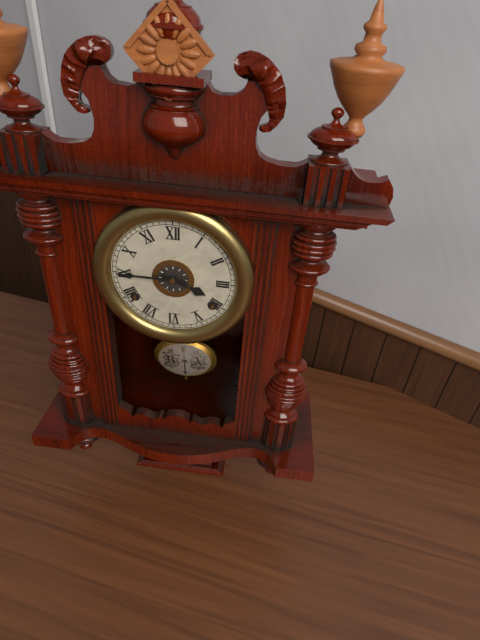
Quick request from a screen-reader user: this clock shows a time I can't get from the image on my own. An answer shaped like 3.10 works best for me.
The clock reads 3.45
